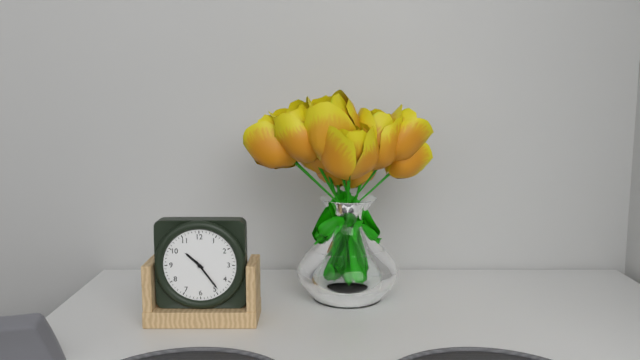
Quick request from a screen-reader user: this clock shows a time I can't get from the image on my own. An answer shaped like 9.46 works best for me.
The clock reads 10.24
